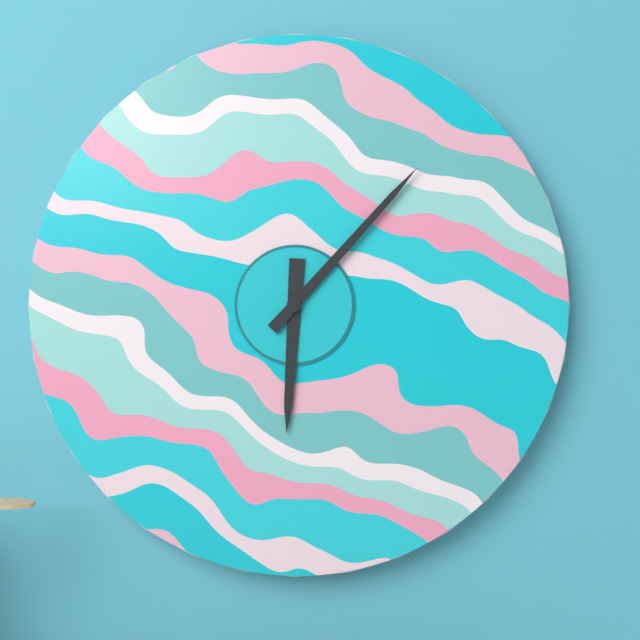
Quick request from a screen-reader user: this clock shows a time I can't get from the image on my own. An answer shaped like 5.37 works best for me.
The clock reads 6.07
